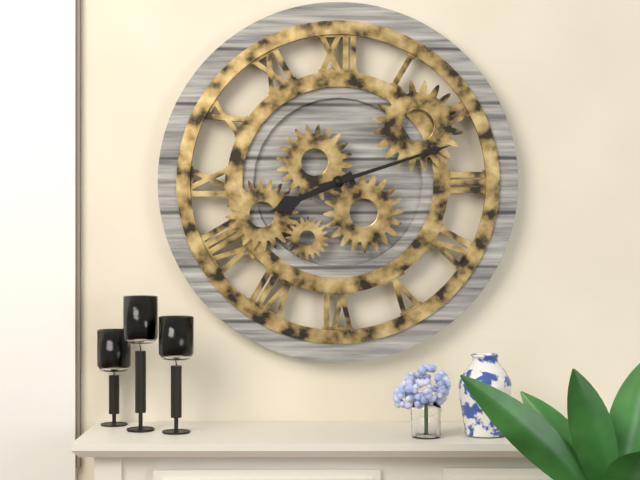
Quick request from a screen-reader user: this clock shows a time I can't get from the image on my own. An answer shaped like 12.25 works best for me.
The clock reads 8.12
